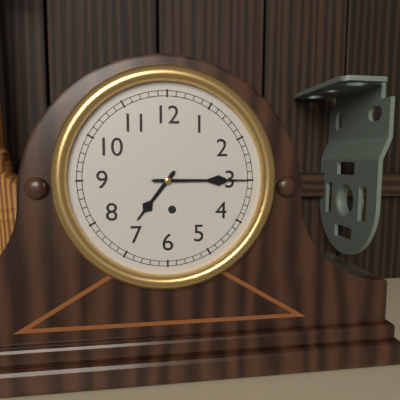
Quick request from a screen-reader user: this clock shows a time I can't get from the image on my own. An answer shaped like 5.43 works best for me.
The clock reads 7.15
